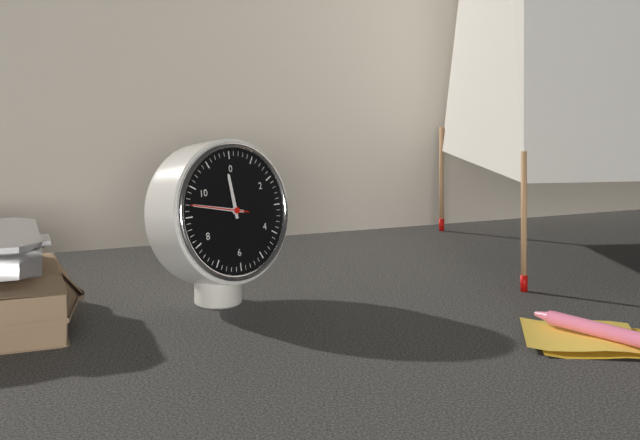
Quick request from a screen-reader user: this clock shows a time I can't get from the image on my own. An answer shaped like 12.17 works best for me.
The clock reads 11.47
